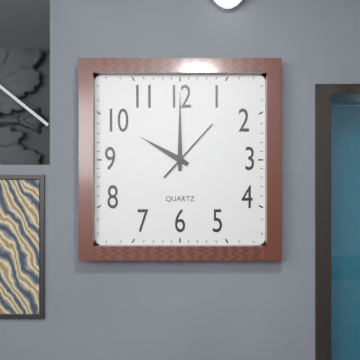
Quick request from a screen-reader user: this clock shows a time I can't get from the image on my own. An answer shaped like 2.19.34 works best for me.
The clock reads 10.00.07
